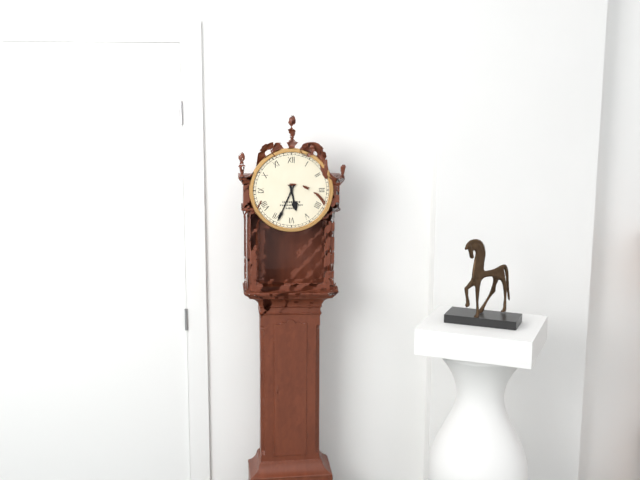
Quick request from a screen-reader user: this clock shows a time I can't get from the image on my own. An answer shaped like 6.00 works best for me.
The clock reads 5.34
